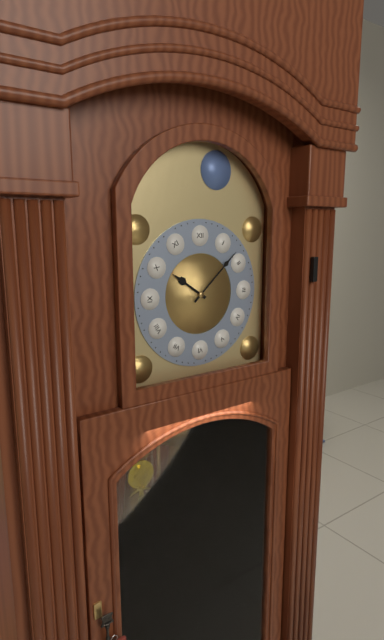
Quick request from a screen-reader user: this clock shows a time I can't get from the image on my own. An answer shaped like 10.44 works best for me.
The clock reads 10.08
